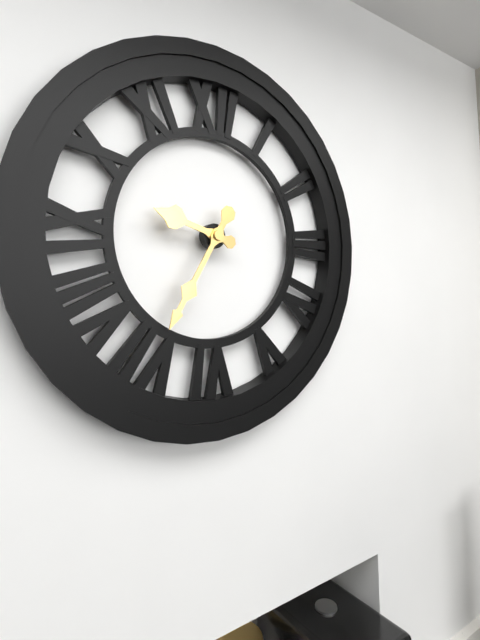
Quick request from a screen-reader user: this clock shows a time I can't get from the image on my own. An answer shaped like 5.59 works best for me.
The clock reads 9.35
